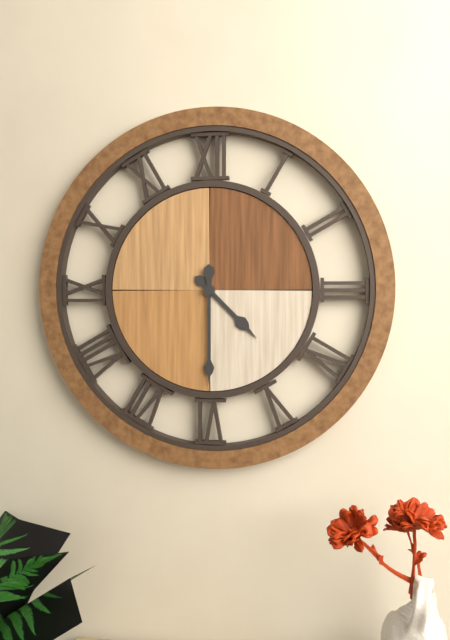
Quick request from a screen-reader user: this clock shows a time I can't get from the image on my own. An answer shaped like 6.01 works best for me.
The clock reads 4.30
